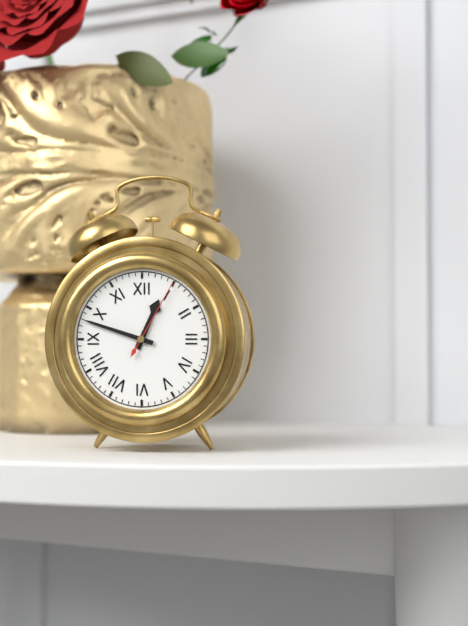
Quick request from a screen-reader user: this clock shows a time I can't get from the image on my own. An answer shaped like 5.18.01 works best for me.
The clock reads 12.48.05
